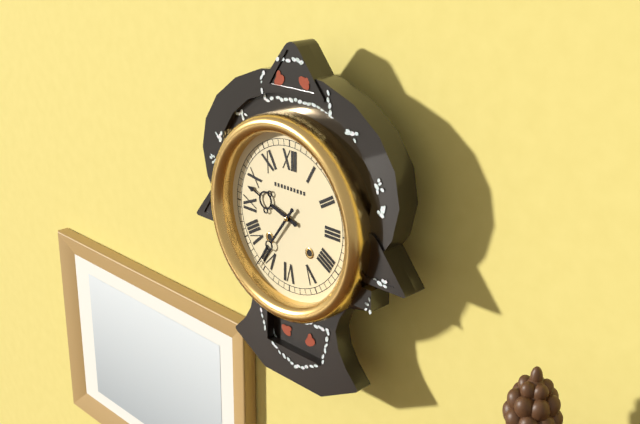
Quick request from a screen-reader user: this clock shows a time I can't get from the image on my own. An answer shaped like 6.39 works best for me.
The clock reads 9.36
